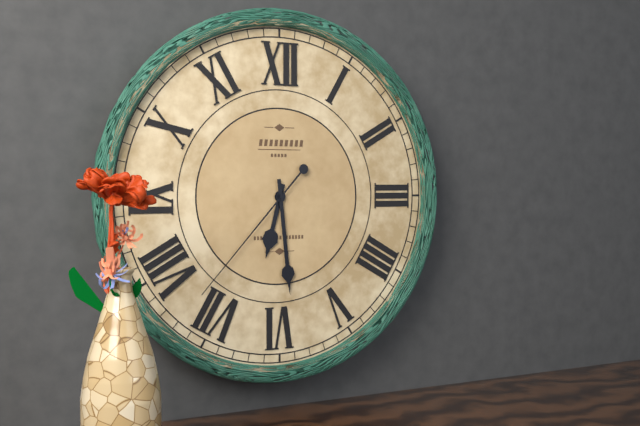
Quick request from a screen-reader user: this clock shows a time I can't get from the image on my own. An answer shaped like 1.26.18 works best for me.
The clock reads 6.29.37
